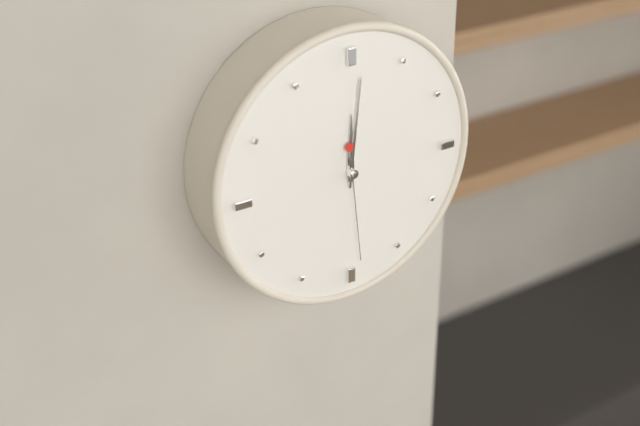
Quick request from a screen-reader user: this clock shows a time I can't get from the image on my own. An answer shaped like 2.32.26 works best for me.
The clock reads 12.01.29
